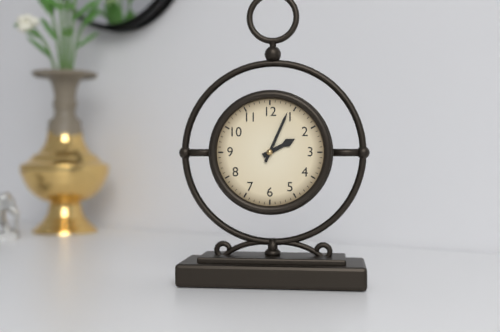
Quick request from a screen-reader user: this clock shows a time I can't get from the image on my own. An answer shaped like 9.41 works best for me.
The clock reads 2.04
